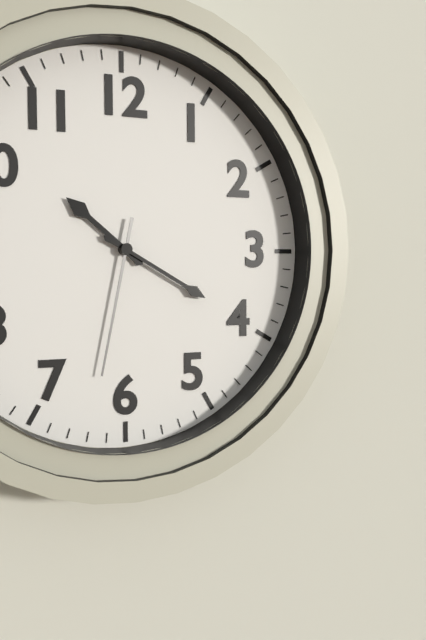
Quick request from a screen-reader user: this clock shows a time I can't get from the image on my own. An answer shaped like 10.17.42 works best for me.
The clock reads 10.20.32
